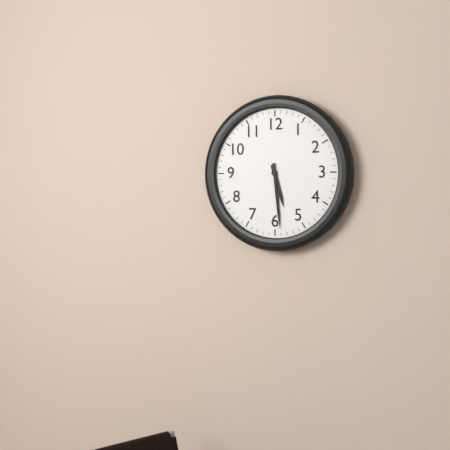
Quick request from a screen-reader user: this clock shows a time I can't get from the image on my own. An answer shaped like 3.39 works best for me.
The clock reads 5.29
